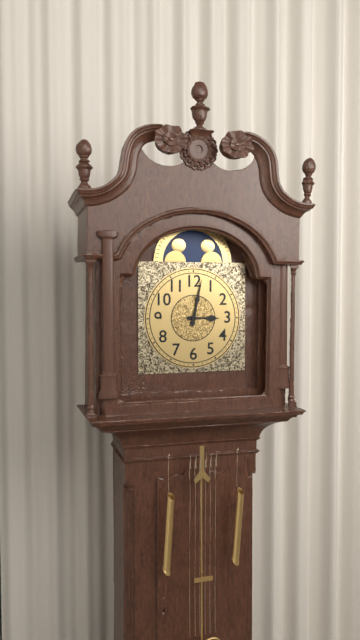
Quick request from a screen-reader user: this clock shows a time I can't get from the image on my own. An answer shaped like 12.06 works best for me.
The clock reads 3.02
